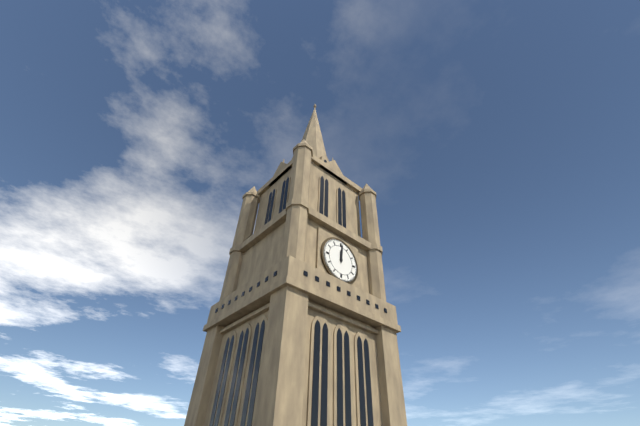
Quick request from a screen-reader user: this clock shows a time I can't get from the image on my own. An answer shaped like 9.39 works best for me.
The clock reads 12.01
